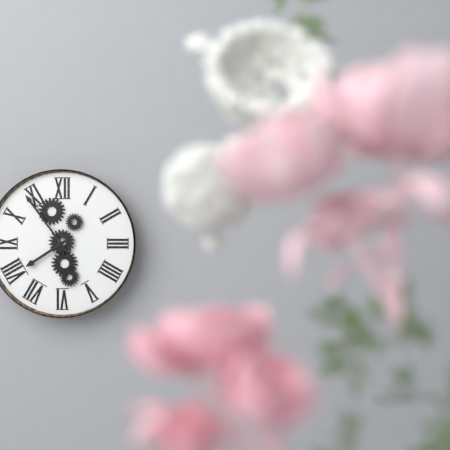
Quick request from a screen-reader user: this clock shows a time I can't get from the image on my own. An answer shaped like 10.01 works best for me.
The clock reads 7.54
